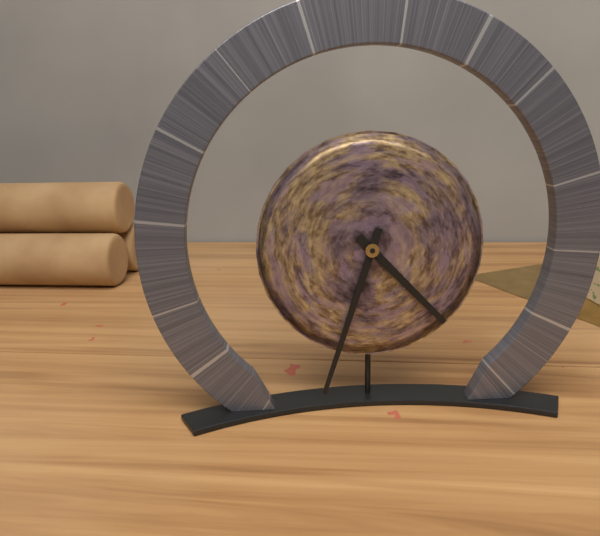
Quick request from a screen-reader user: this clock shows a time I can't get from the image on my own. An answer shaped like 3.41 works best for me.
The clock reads 4.33
